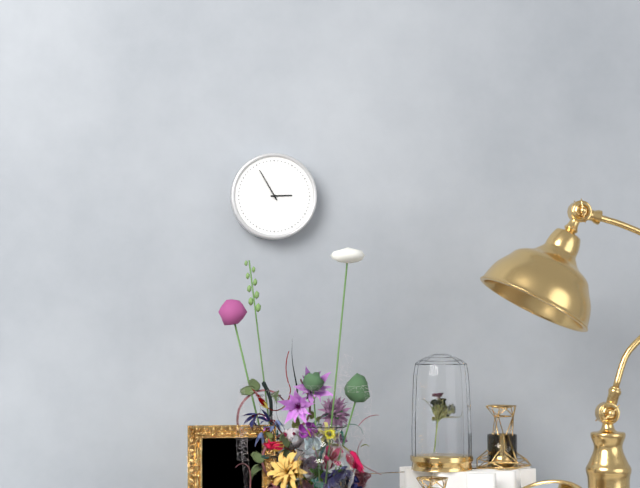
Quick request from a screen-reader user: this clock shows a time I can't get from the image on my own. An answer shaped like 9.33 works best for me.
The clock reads 2.55
